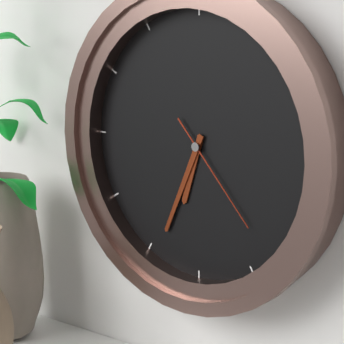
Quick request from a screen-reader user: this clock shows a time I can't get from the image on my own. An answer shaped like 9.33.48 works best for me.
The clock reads 6.34.23
